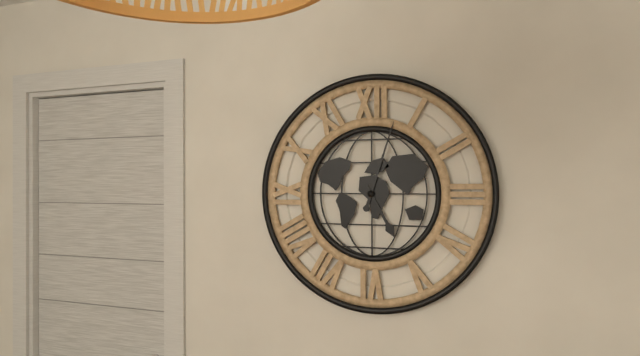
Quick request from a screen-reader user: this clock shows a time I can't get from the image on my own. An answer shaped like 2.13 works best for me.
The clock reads 5.03
